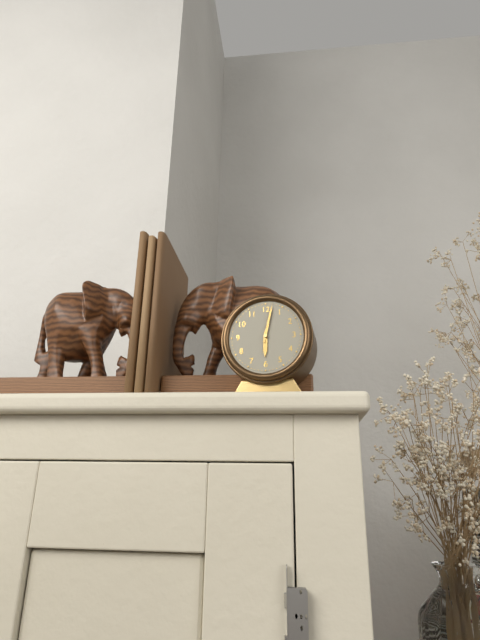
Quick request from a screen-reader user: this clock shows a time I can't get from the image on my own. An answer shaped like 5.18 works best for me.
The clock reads 6.02
